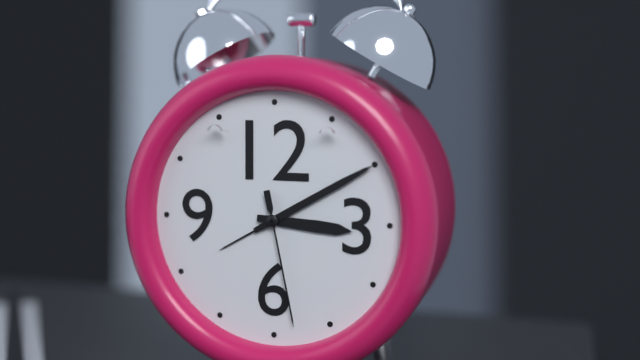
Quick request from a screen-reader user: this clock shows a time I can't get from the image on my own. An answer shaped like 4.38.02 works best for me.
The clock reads 3.10.28
